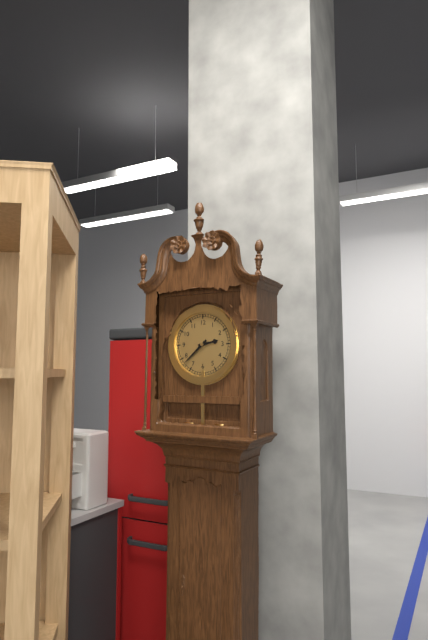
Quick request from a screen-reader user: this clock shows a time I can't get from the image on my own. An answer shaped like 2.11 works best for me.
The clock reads 2.38
